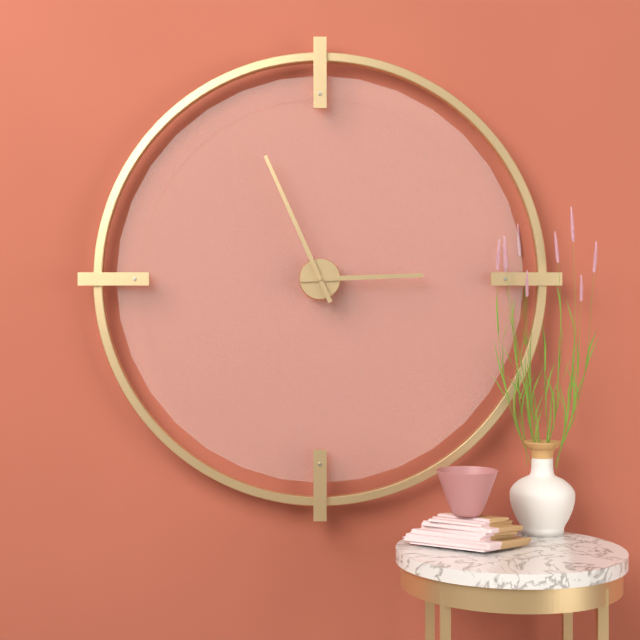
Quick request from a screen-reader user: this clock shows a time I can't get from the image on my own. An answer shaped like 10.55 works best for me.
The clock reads 2.56
